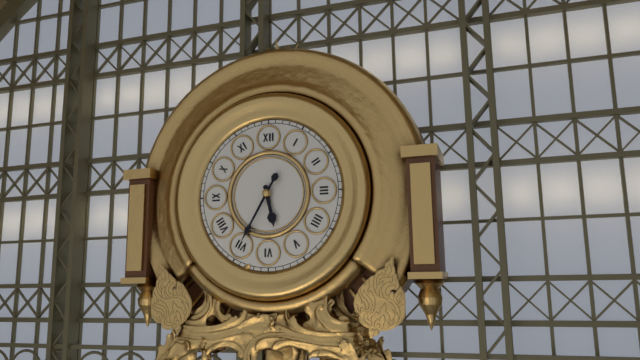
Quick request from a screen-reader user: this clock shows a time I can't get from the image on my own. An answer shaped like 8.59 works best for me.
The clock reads 5.35
